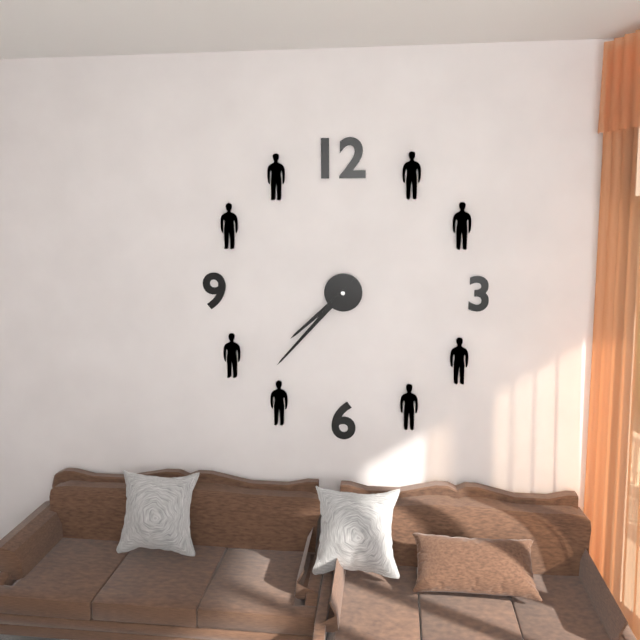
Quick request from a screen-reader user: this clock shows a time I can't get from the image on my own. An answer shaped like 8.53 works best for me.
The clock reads 7.37
